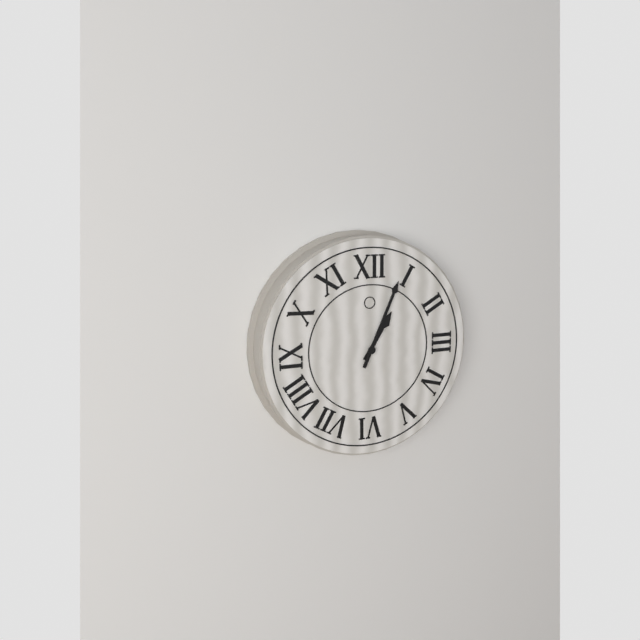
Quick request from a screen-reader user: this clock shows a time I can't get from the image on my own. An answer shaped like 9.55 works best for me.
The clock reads 1.04
